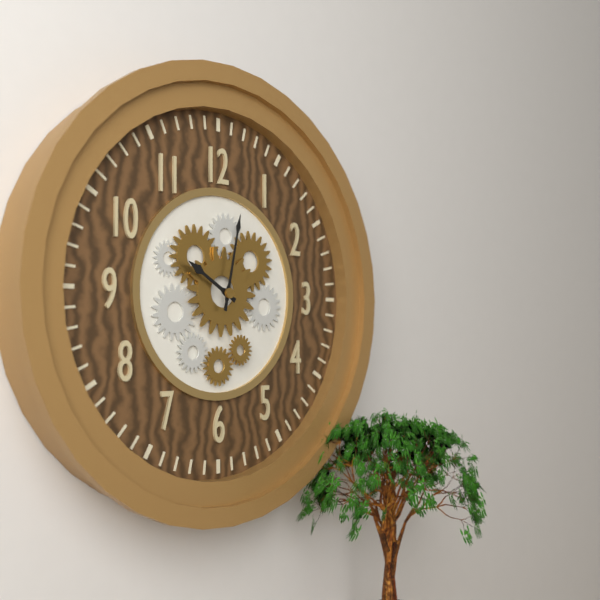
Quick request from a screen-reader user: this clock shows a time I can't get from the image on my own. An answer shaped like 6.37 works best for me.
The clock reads 10.02
